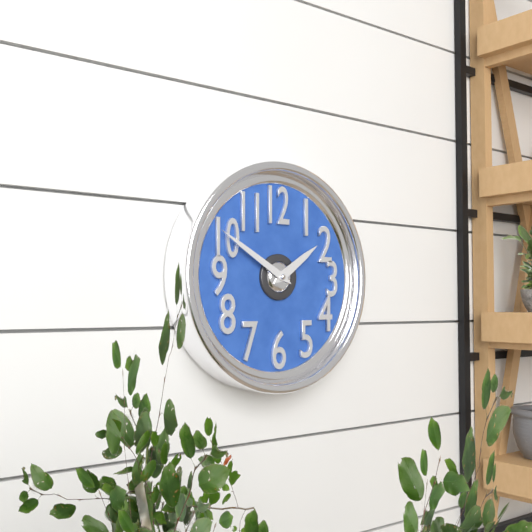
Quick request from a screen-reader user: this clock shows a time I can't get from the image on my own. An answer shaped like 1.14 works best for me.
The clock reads 1.50
